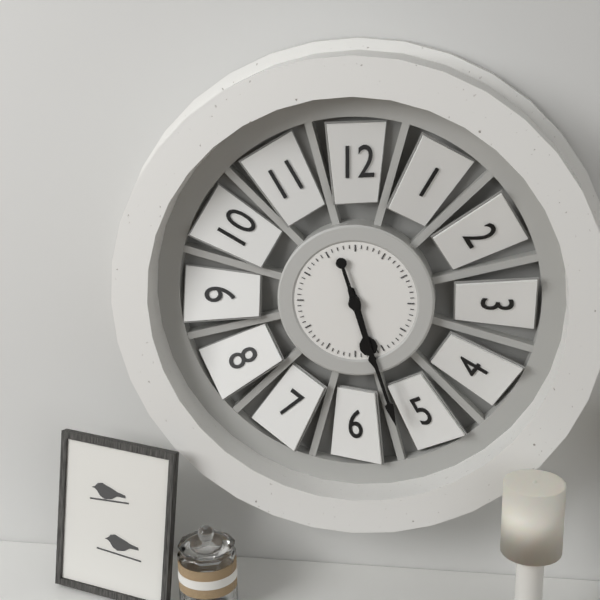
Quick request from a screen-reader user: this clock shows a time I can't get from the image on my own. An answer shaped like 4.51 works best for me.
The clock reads 5.27
